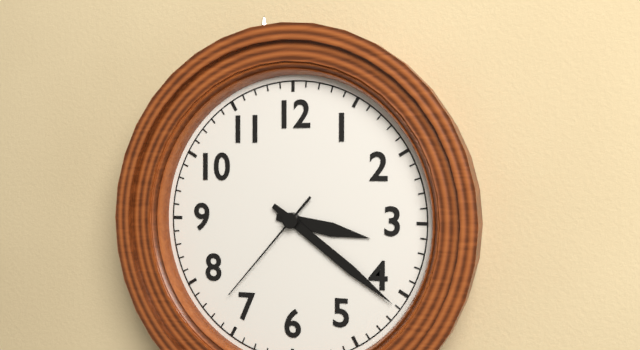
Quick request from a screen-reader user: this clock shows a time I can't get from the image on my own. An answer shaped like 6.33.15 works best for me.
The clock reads 3.21.37
